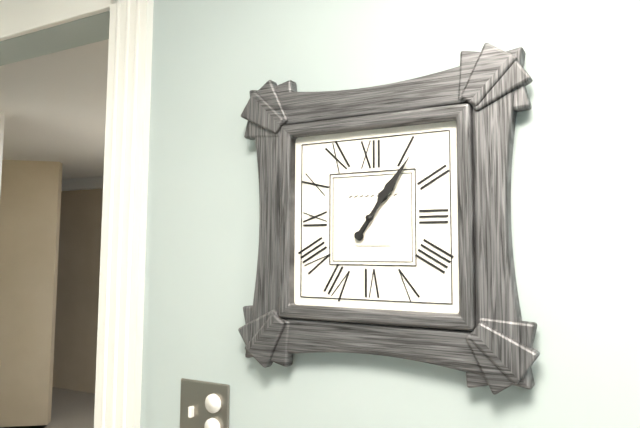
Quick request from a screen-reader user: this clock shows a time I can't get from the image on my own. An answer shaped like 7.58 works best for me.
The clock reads 1.06
